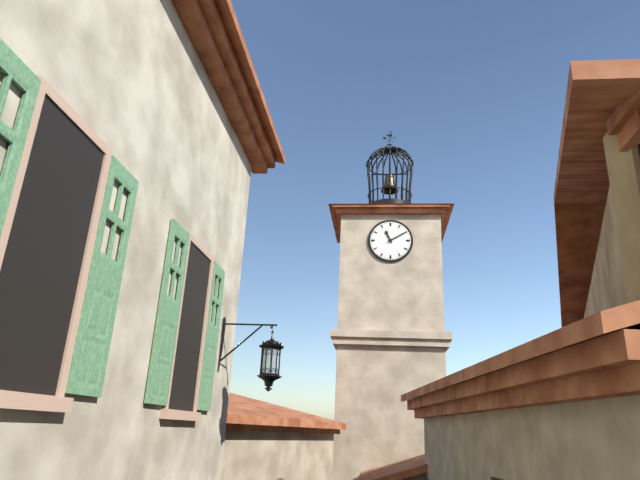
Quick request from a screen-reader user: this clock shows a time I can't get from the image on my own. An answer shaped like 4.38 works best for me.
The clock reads 11.10
